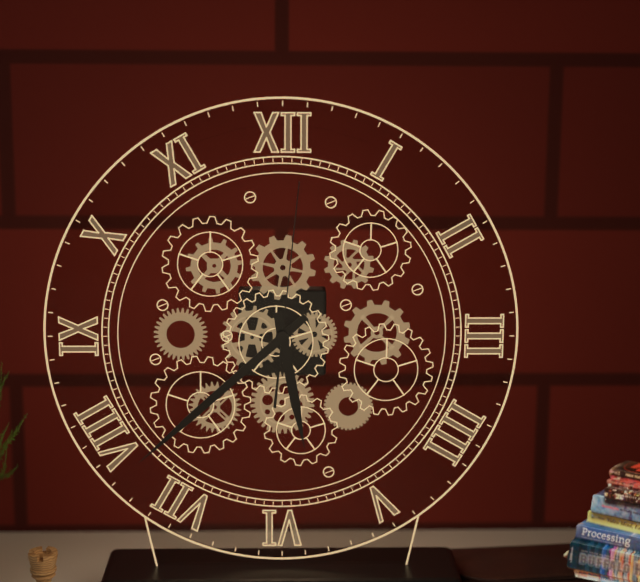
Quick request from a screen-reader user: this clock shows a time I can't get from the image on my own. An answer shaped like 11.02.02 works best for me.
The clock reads 5.38.01
